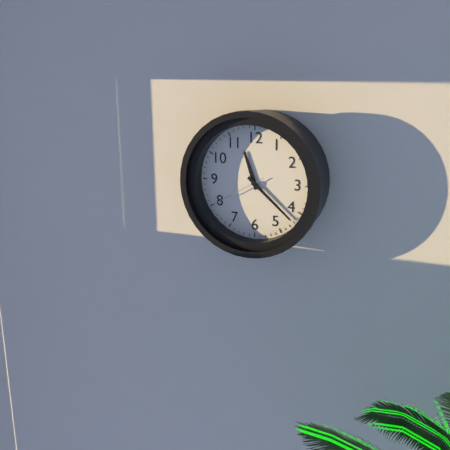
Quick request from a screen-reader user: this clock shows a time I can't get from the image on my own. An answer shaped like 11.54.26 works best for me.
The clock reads 11.22.40
